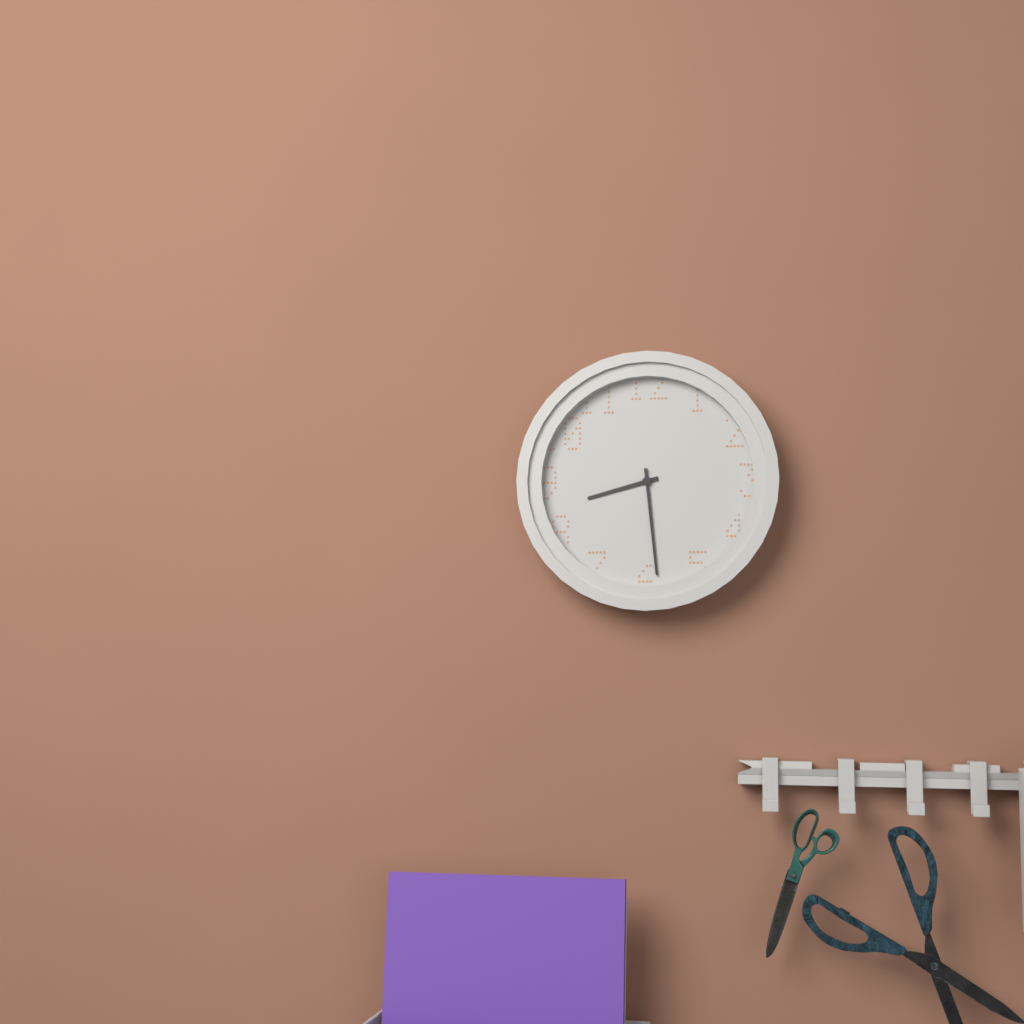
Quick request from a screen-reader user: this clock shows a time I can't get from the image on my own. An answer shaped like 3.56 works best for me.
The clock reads 8.29
